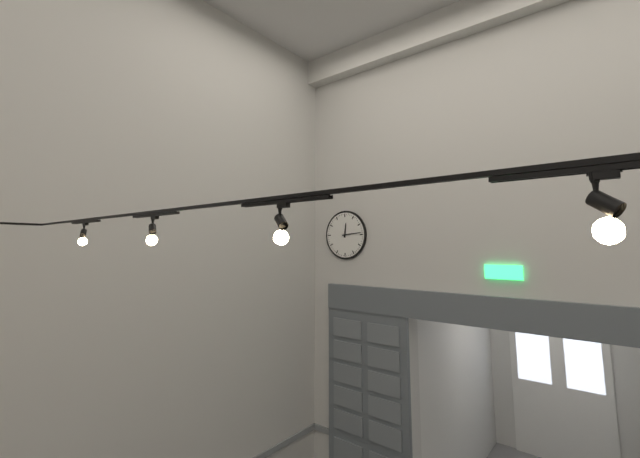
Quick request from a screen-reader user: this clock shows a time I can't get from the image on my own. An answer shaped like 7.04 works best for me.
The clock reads 12.14
